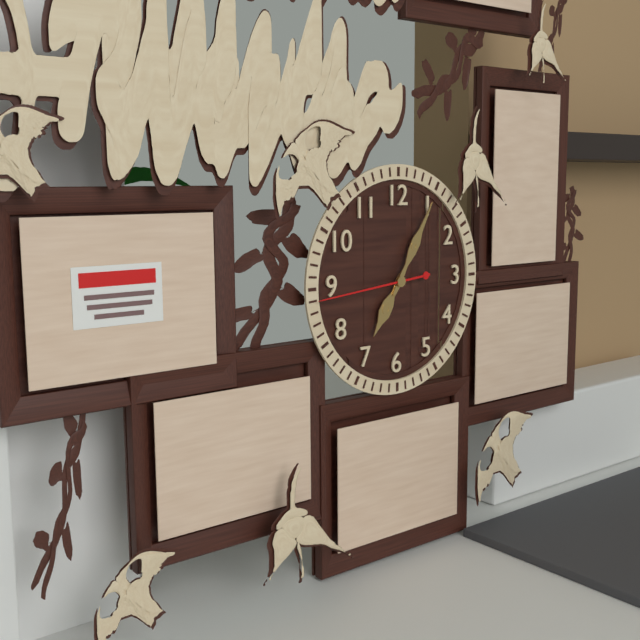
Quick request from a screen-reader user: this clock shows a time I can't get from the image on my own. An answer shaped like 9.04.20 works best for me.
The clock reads 7.05.44
